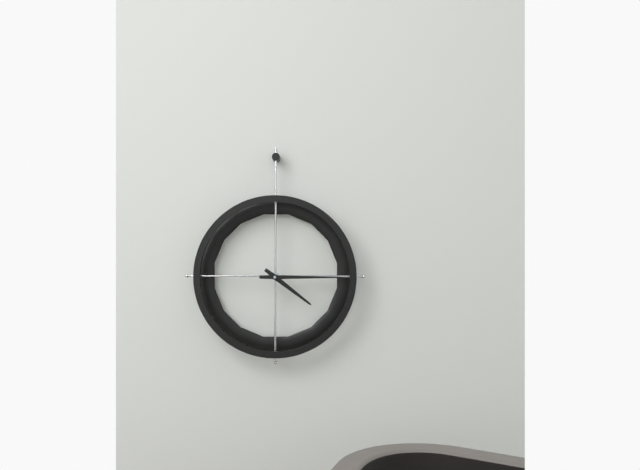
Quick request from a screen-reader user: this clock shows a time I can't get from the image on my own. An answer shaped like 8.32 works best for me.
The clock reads 4.15
